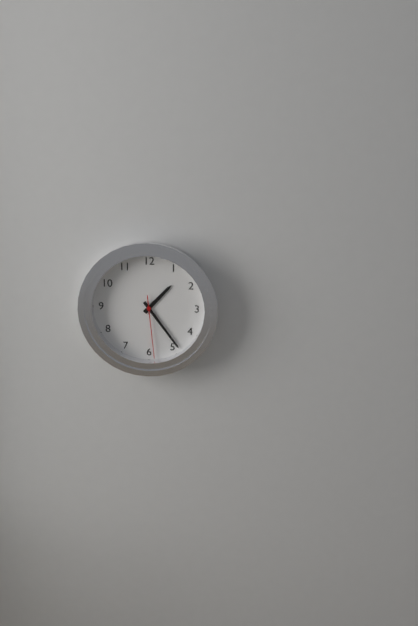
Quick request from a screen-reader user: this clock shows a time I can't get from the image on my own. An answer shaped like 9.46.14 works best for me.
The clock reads 1.24.29
